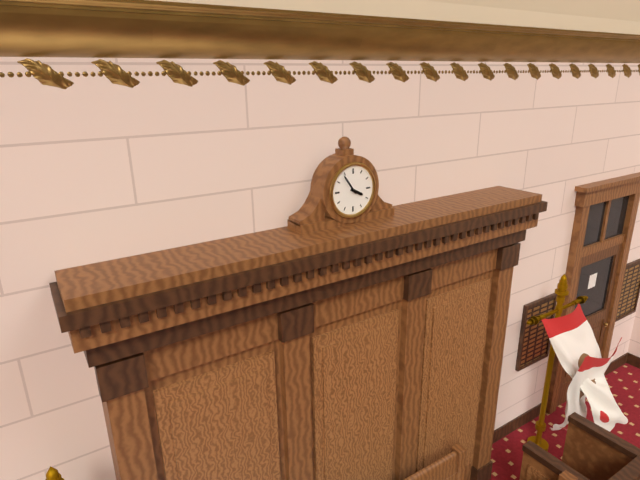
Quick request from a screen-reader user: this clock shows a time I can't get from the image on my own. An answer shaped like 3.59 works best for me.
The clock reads 3.54
